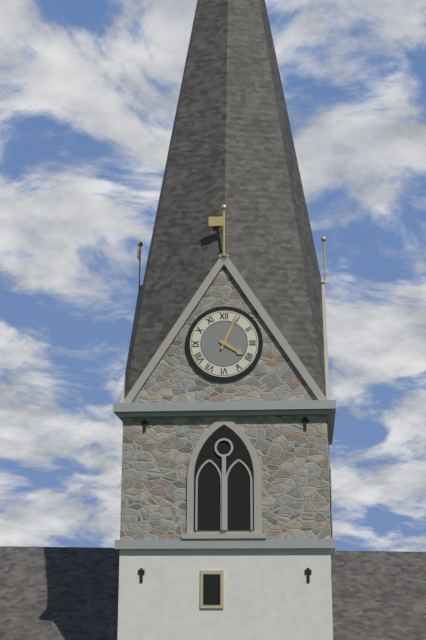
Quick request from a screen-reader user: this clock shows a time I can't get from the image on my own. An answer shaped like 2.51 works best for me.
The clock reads 4.04
